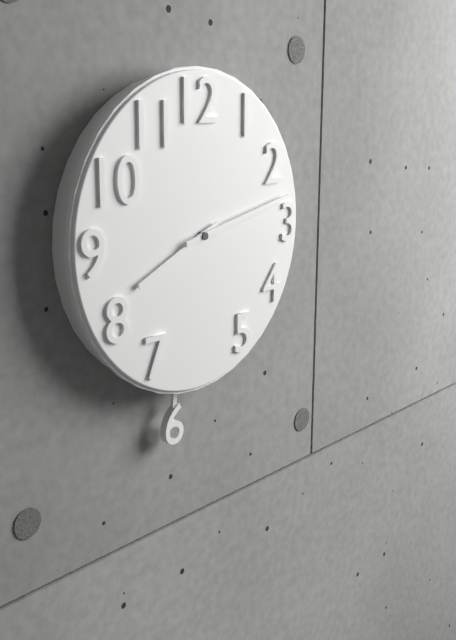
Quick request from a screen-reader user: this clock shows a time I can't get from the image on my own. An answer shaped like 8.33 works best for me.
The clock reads 8.13
